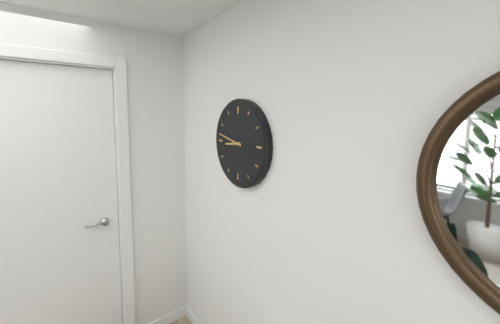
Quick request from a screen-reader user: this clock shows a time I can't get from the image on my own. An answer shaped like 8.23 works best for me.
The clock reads 8.47
